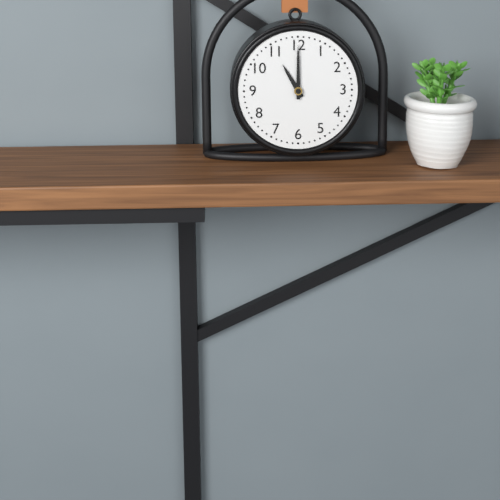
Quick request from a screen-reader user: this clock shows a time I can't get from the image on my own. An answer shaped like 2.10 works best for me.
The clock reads 11.00
